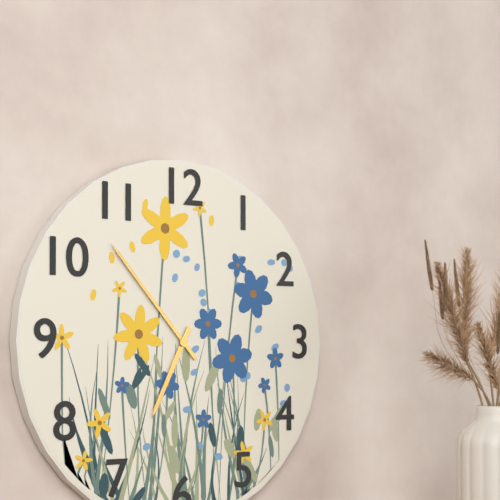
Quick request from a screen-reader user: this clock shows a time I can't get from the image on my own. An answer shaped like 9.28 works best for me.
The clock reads 6.53
